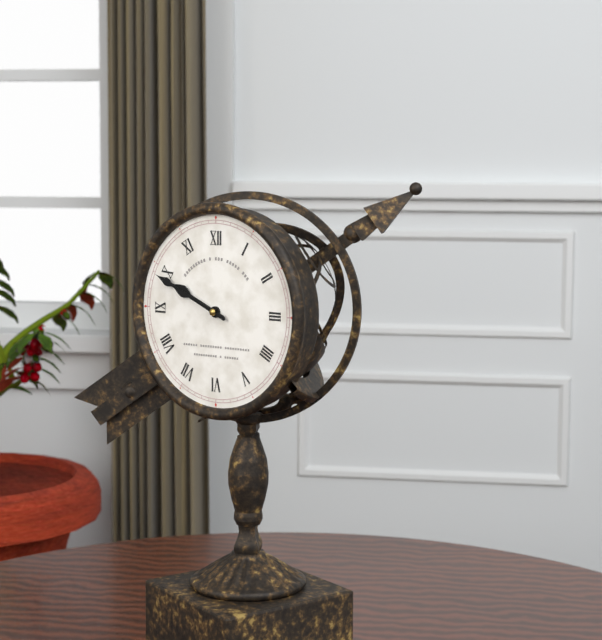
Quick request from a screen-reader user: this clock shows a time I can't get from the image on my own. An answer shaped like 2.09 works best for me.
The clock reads 9.49
